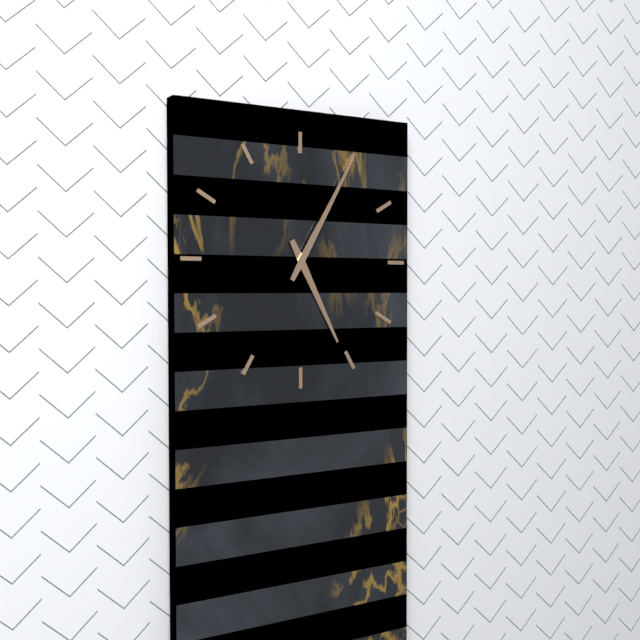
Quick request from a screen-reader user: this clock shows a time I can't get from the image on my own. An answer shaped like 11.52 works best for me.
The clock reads 5.05
